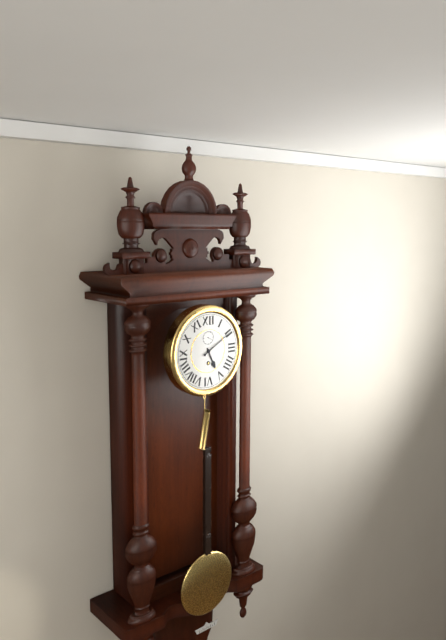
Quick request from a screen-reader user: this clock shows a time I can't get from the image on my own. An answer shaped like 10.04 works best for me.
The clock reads 5.10
